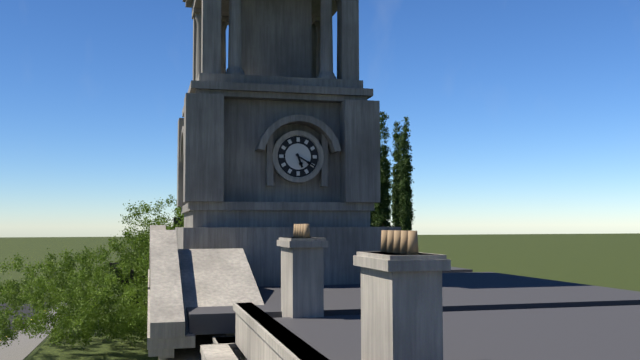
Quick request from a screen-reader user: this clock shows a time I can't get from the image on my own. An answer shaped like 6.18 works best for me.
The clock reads 5.20
